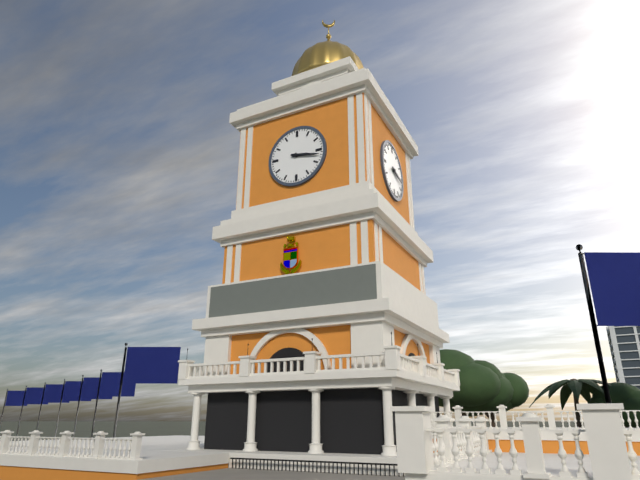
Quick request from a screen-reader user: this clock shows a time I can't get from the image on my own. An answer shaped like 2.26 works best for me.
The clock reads 3.17
